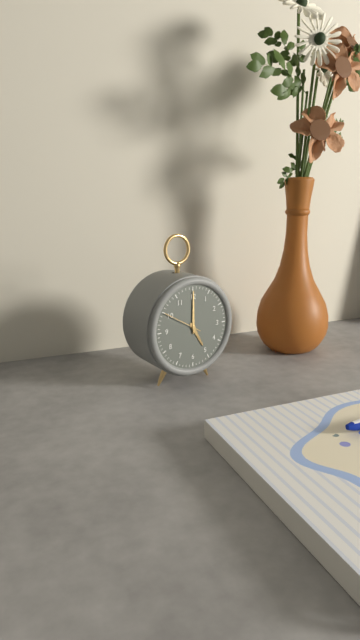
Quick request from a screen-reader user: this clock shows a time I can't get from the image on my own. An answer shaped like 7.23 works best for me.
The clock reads 5.00
